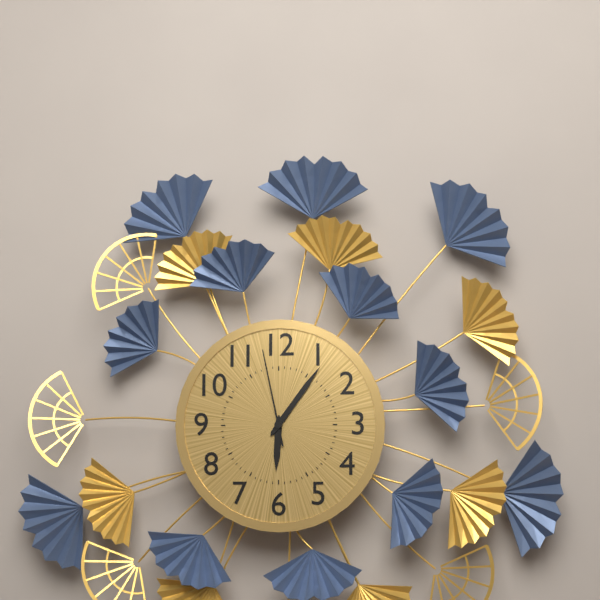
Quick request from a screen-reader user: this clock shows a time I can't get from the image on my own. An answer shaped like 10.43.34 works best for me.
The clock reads 6.06.58
